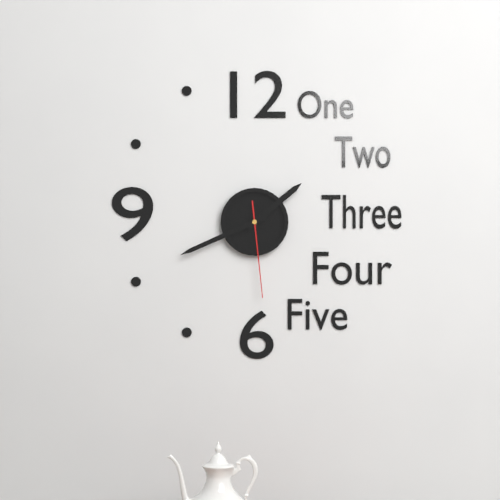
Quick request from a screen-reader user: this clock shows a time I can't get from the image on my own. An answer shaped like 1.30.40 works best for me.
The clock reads 1.41.29
